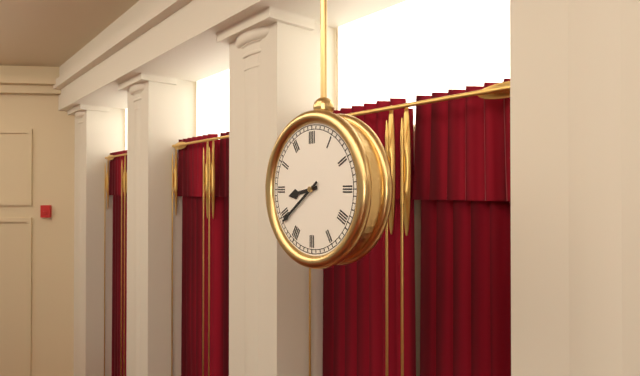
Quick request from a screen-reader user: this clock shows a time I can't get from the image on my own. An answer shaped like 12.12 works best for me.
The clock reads 8.39
